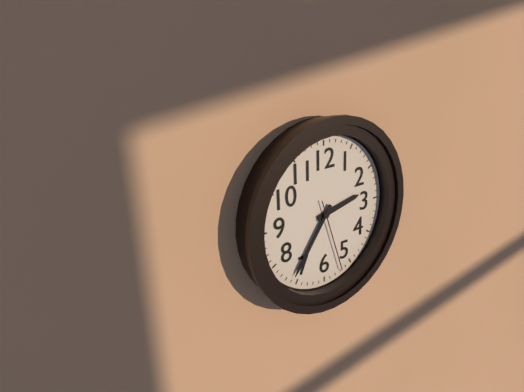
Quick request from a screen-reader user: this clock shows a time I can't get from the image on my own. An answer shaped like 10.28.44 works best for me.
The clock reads 2.36.27
